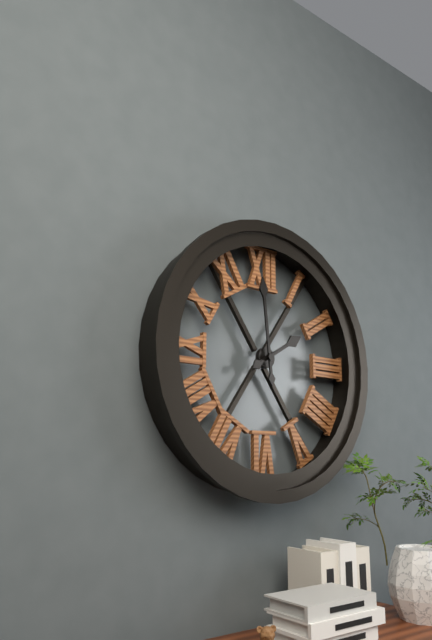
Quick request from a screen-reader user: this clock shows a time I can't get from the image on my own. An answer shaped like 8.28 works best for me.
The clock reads 1.59
